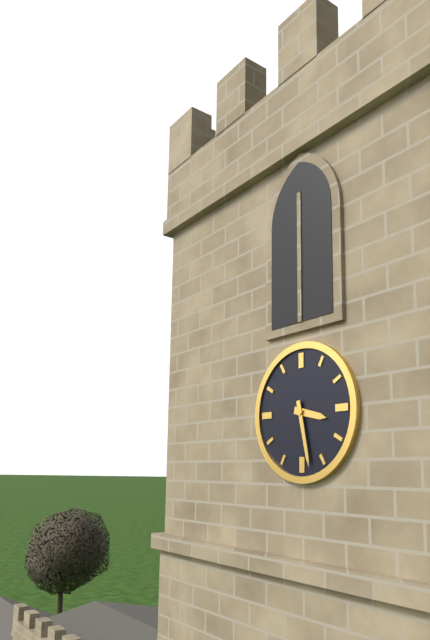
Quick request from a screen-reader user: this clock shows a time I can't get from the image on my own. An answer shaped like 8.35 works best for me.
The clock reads 3.28
